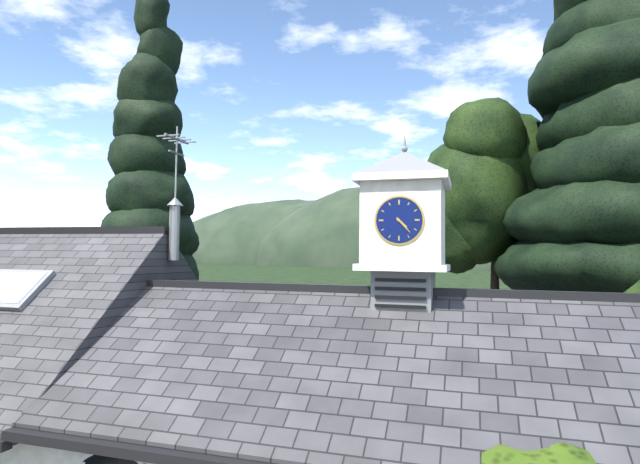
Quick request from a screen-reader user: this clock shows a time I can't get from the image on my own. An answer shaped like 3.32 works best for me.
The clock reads 4.23
